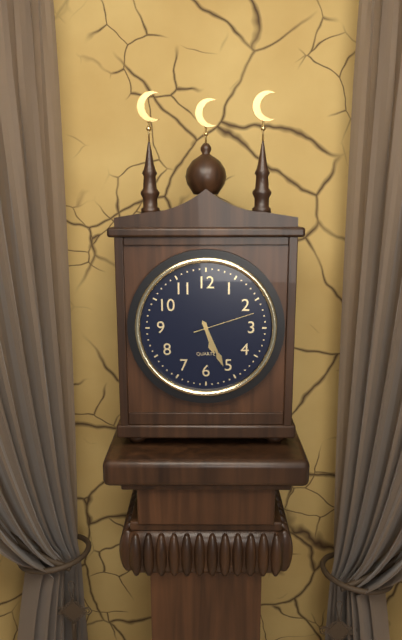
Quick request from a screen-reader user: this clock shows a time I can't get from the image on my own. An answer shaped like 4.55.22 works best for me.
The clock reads 5.26.12
